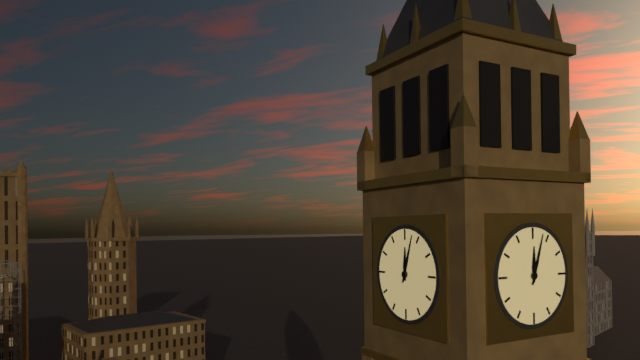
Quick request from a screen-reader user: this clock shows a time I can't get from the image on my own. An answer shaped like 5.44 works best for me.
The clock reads 12.03
